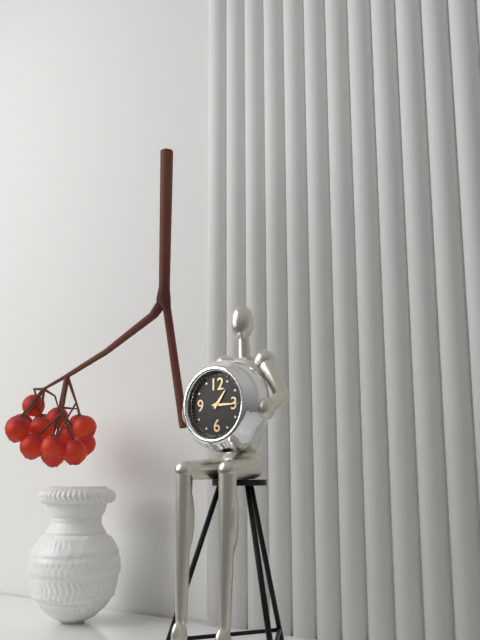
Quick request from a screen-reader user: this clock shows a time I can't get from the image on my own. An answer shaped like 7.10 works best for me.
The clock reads 1.15
